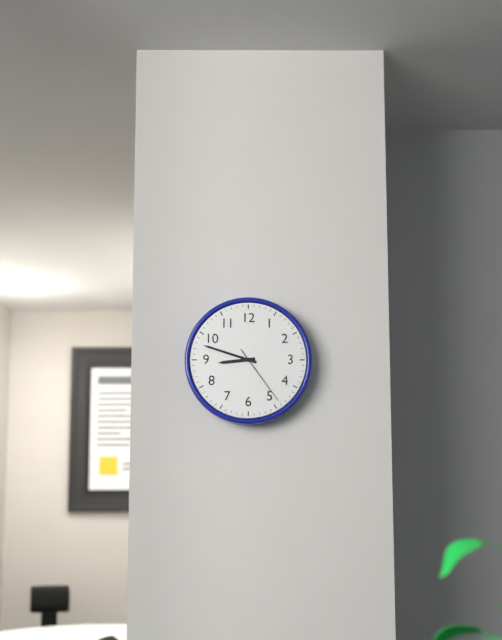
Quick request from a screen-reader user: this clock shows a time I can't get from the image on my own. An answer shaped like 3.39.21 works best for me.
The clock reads 8.48.24
